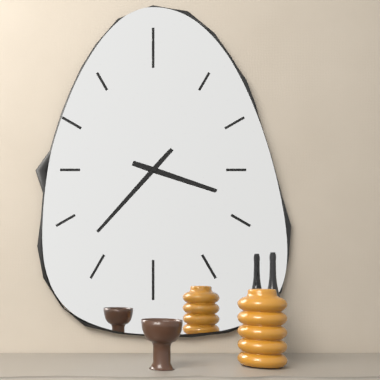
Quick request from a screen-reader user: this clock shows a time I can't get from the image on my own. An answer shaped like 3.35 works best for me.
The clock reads 3.37
